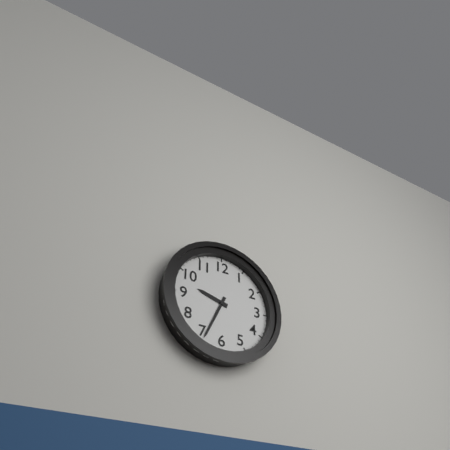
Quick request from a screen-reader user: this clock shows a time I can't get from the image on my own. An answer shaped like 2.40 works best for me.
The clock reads 9.34
